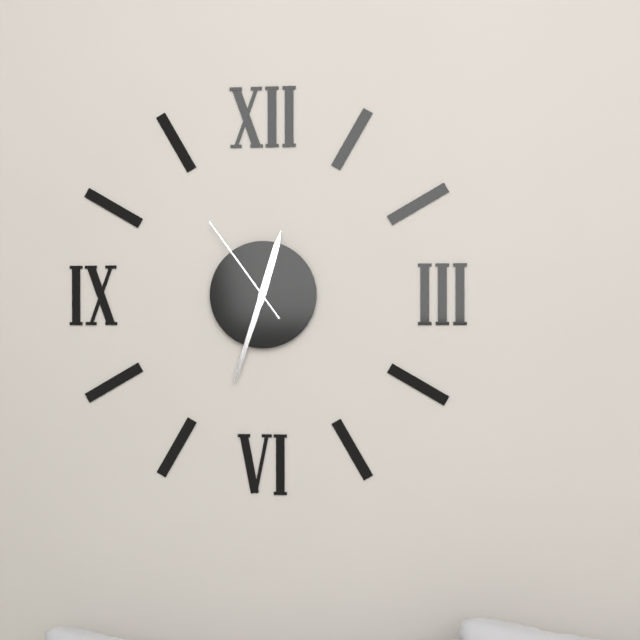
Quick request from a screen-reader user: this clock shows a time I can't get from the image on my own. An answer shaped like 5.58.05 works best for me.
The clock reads 12.33.54
